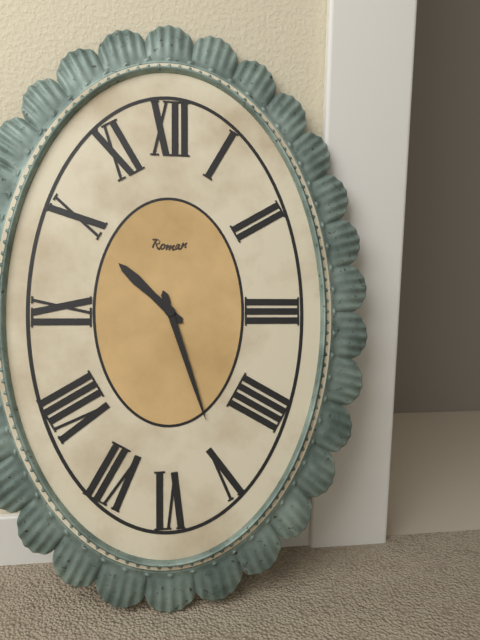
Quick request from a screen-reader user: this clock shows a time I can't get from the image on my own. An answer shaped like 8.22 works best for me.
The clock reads 10.27
